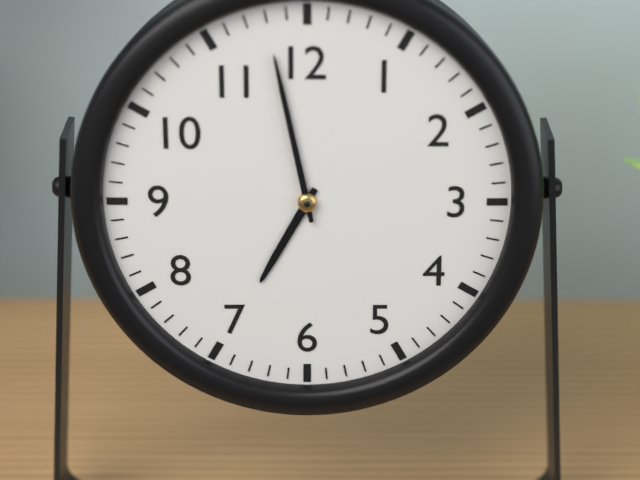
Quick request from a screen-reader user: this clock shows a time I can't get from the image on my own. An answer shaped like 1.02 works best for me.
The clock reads 6.58
